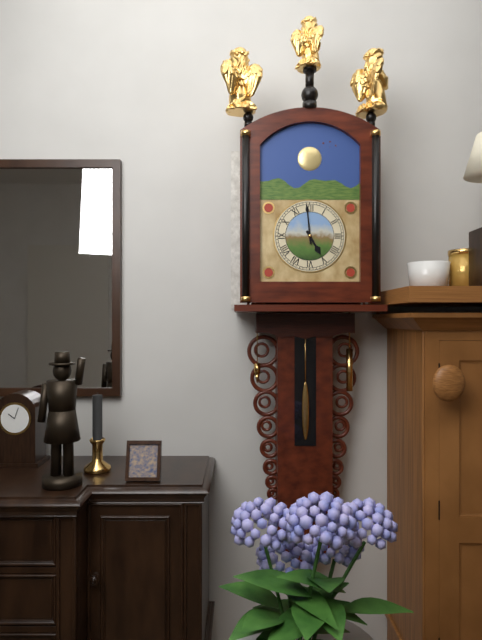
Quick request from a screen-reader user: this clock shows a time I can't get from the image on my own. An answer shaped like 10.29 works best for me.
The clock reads 4.59
